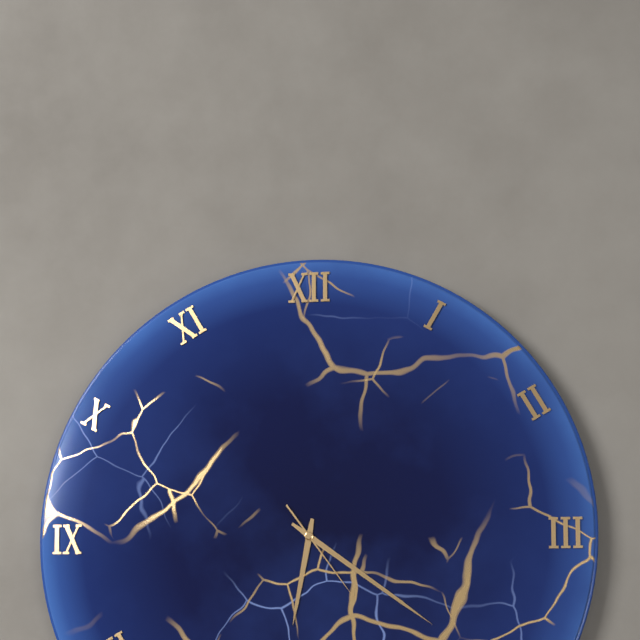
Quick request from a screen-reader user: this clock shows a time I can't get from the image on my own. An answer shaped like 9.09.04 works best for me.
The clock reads 6.21.24
